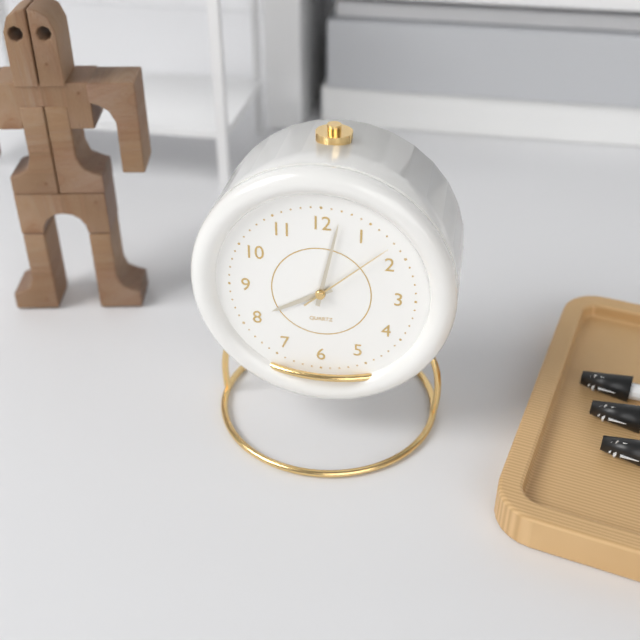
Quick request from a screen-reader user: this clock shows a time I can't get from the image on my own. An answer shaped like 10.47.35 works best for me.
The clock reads 8.02.08
